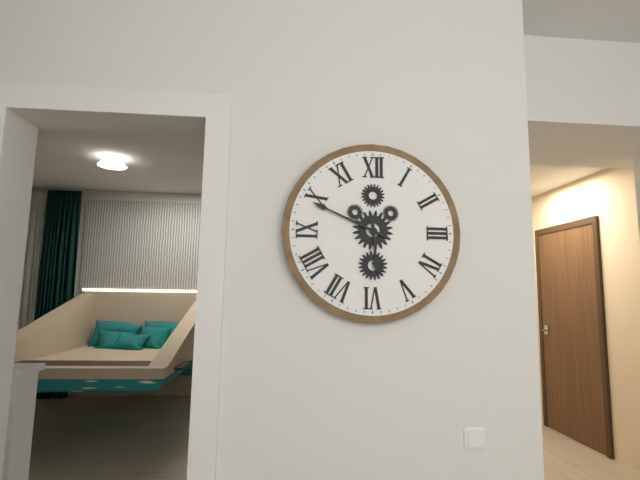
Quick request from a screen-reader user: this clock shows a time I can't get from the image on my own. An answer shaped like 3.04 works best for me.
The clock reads 5.49
